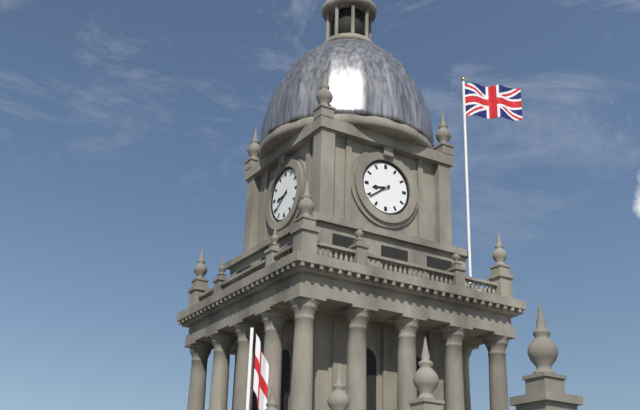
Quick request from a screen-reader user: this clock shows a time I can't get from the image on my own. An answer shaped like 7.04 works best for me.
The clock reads 8.39
